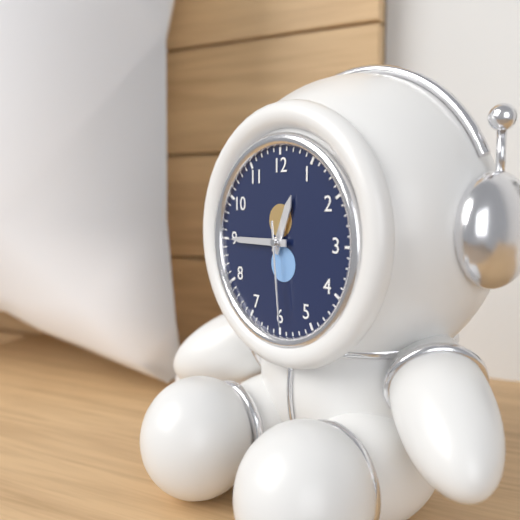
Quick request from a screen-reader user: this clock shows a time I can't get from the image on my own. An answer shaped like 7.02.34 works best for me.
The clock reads 12.45.29
